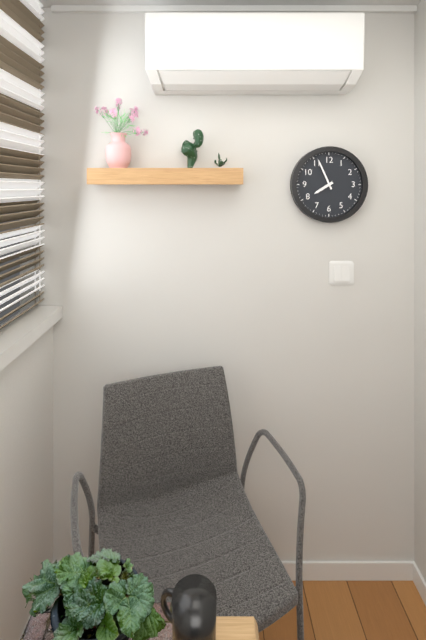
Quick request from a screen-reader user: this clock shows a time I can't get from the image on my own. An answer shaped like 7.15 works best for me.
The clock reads 7.56
